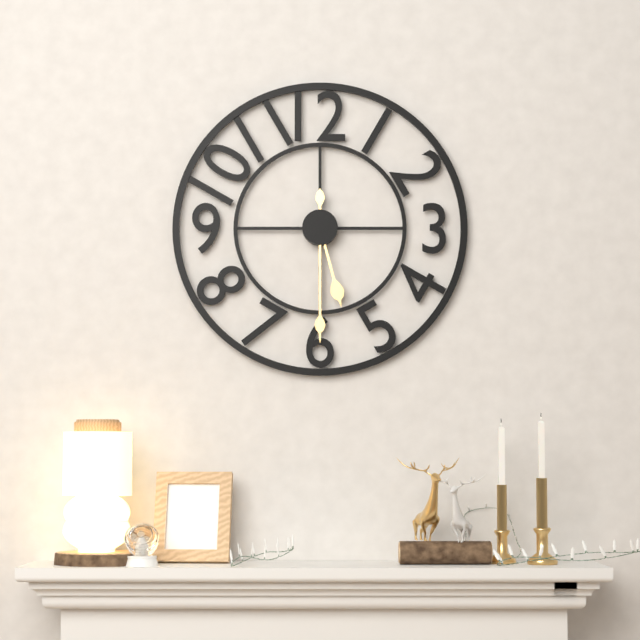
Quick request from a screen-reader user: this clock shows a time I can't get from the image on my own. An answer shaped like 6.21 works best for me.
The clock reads 5.30
